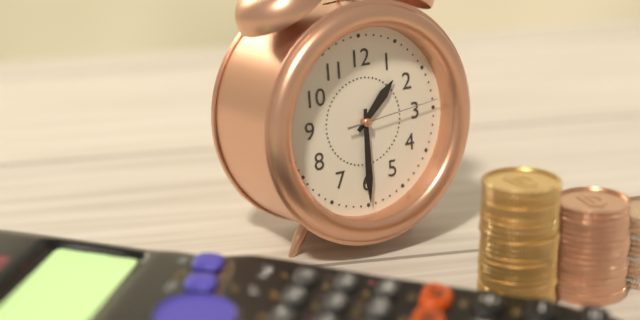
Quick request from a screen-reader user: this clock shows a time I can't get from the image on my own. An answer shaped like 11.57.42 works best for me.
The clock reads 1.30.14
